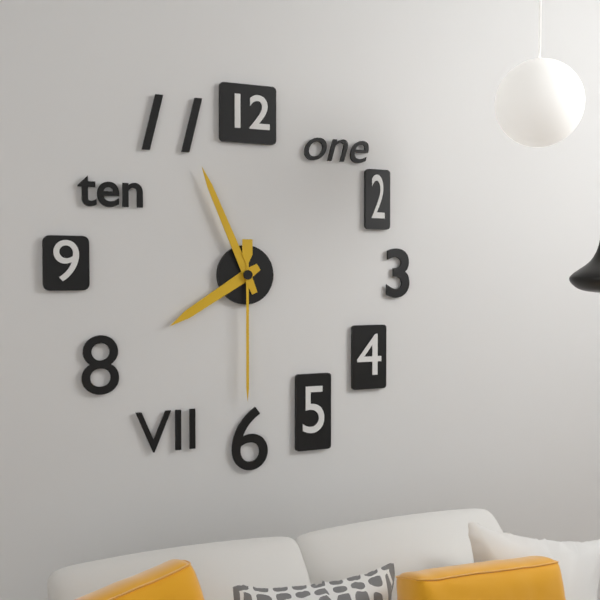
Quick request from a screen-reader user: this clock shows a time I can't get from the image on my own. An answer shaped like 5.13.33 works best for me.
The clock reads 7.56.30
